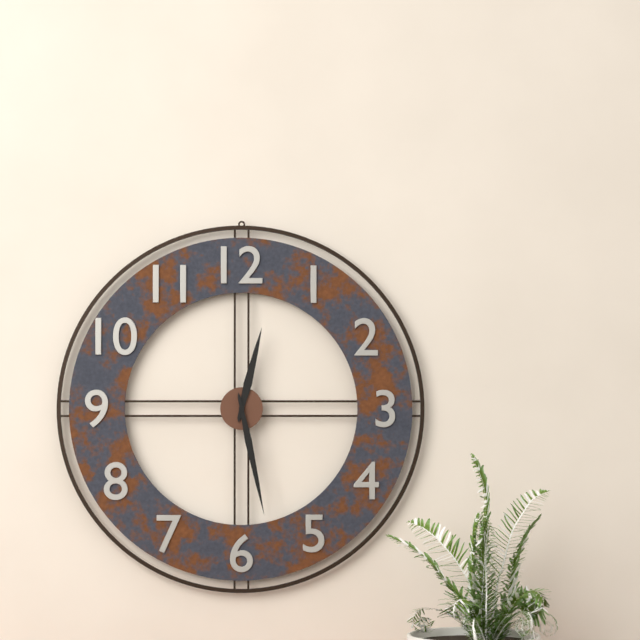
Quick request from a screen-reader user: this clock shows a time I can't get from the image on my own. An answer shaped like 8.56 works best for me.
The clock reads 12.28
